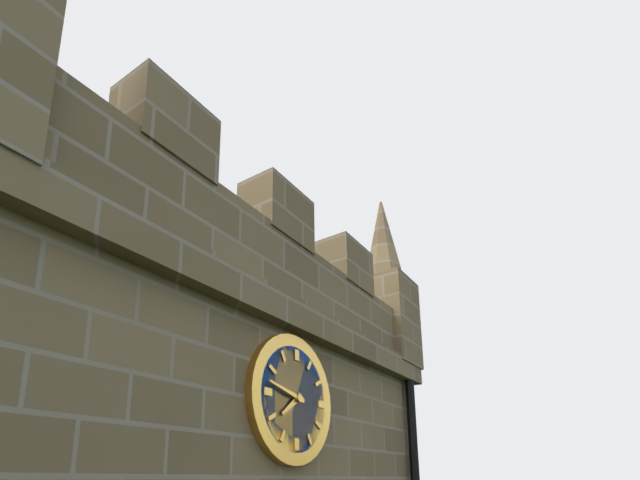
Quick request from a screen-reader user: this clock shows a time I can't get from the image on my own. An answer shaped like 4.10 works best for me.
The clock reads 7.47
